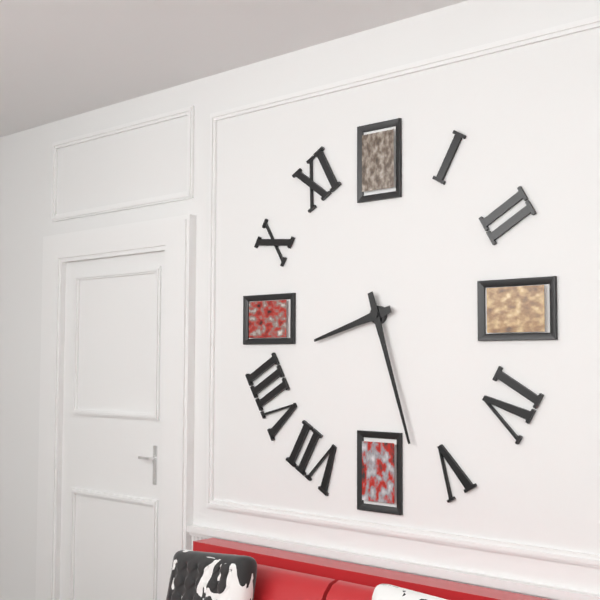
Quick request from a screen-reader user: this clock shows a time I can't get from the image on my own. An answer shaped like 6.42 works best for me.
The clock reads 8.27
